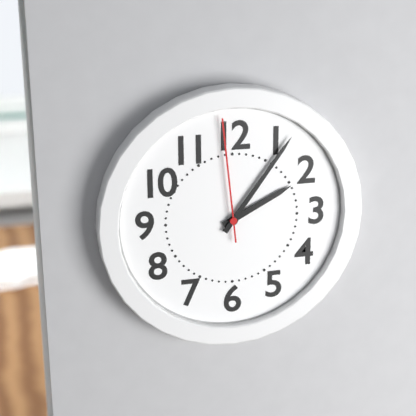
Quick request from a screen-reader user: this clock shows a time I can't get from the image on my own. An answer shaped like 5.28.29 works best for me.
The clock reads 2.06.59
